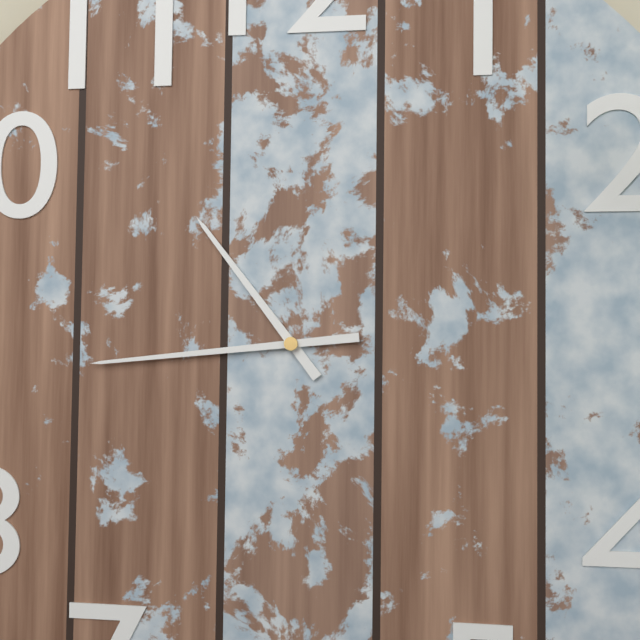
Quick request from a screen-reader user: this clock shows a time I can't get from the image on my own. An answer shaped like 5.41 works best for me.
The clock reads 10.44
